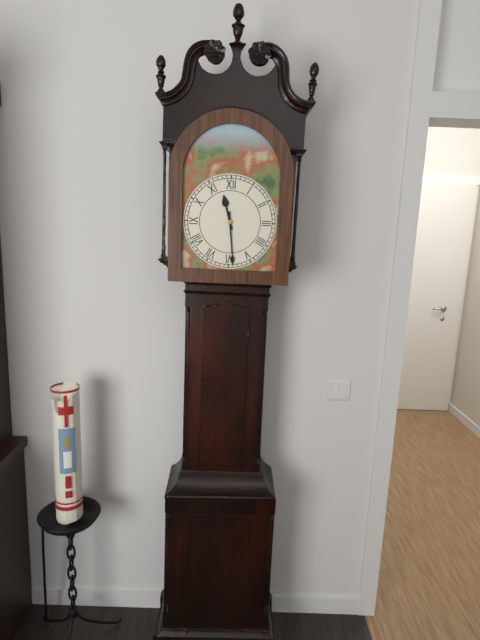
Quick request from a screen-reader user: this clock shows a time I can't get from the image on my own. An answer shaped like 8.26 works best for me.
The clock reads 11.29
